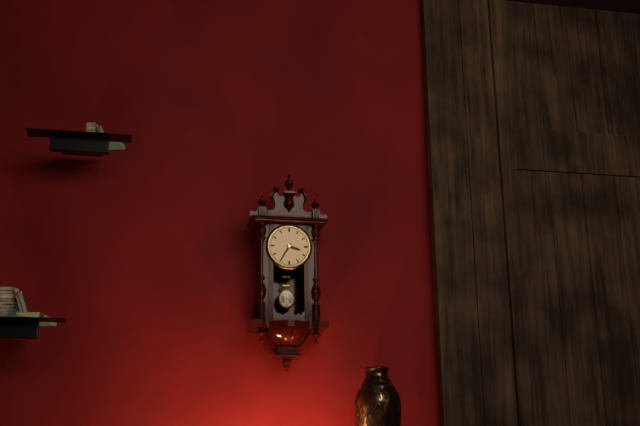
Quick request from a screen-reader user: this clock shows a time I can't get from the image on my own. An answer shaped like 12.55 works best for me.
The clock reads 3.35
